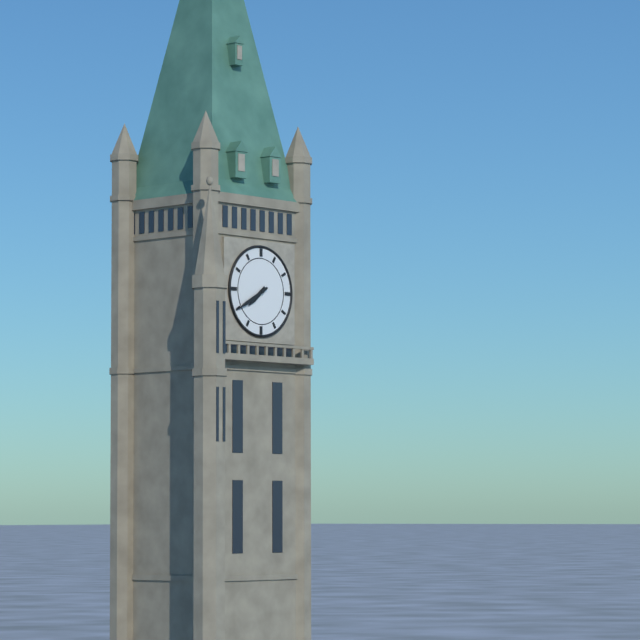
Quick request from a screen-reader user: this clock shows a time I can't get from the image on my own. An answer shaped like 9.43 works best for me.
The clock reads 7.40
